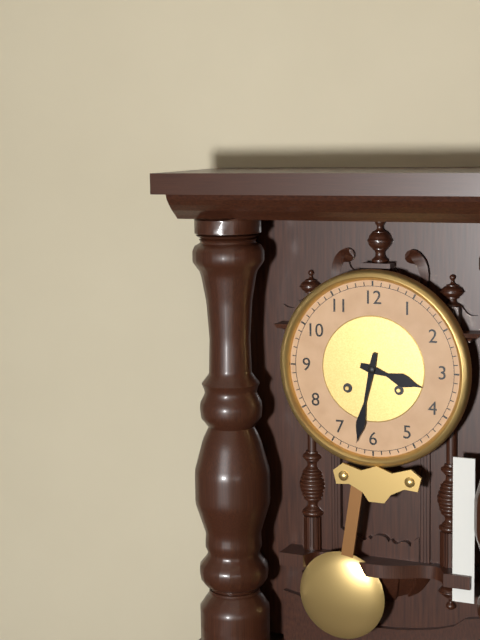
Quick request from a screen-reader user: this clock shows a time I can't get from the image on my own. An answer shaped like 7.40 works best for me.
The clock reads 3.32
